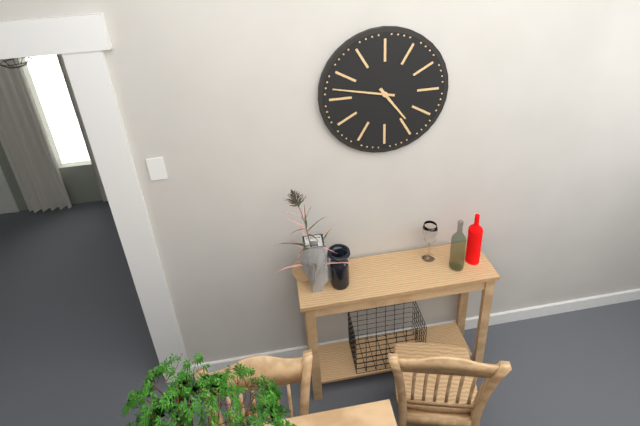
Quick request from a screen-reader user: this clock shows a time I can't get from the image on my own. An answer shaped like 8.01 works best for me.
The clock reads 4.47
